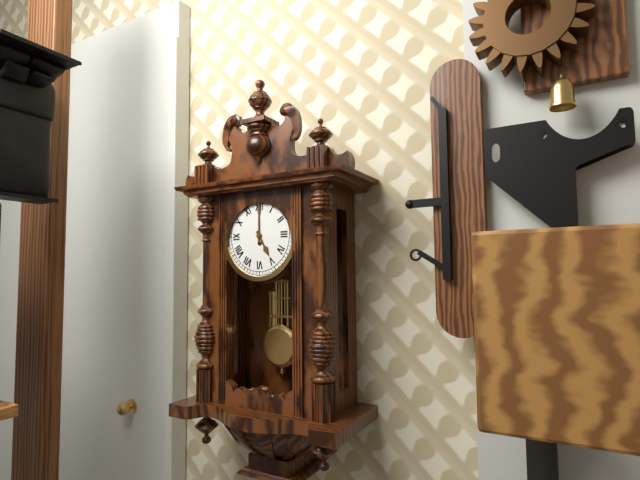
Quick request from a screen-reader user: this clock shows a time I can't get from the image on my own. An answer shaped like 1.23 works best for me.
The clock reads 5.00
